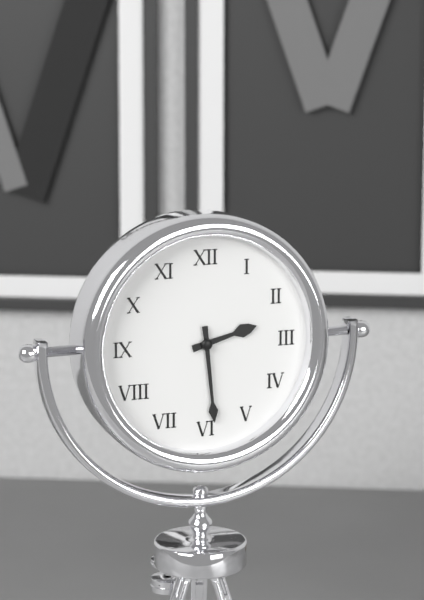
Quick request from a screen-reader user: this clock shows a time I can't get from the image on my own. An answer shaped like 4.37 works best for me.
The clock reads 2.29
